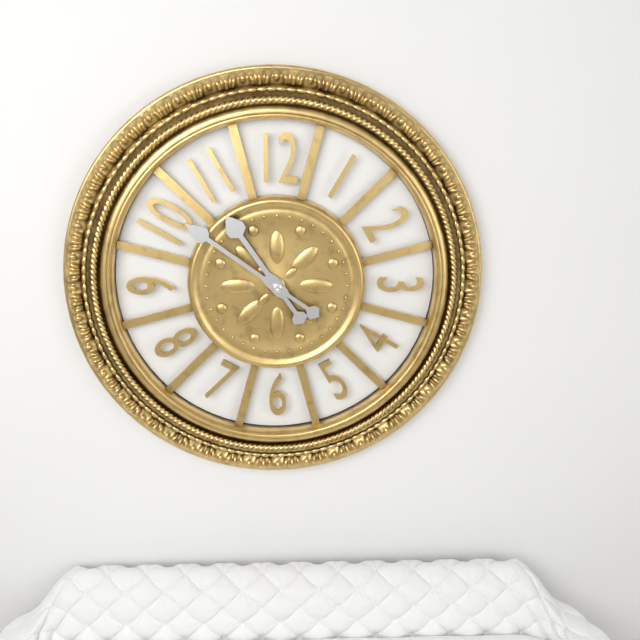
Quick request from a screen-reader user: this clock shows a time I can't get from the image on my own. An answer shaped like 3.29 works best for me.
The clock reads 10.51
